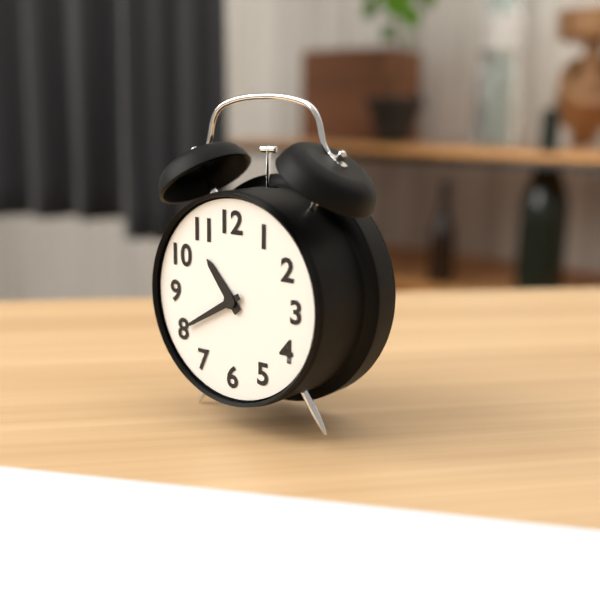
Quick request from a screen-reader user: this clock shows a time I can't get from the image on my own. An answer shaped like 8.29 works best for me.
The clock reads 10.40
